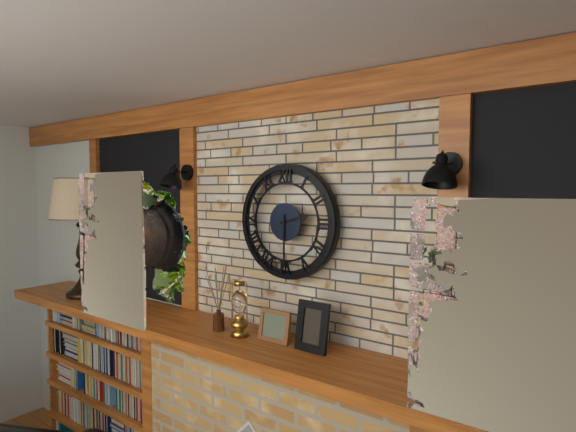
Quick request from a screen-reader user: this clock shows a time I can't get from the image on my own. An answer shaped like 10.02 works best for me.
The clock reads 2.30
